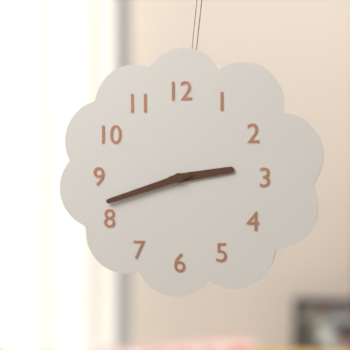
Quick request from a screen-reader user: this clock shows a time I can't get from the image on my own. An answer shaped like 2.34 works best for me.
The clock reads 2.42
